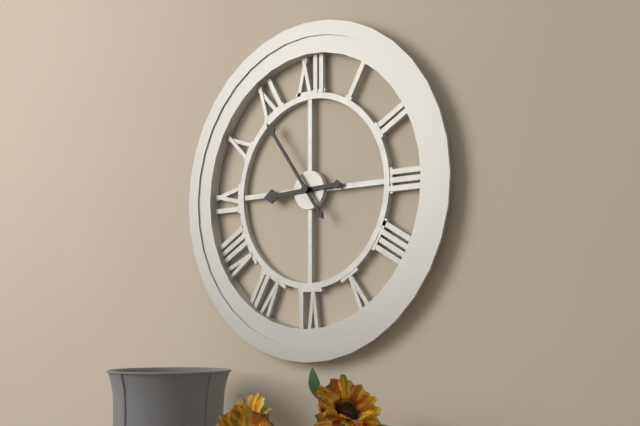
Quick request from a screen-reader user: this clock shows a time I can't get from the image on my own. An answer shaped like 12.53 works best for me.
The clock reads 8.54
